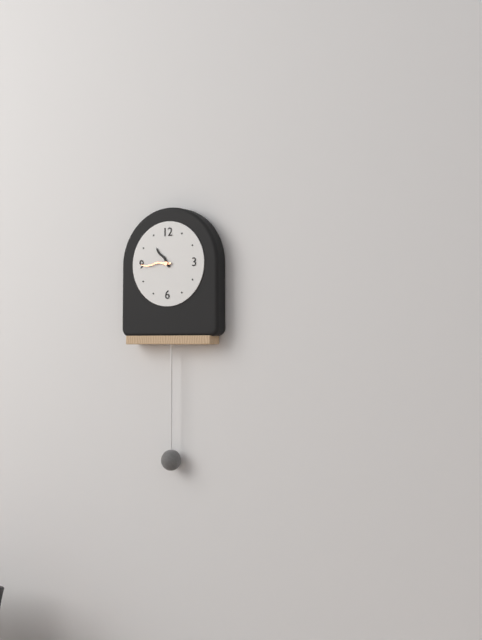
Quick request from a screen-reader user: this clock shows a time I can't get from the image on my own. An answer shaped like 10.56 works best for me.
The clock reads 10.45
